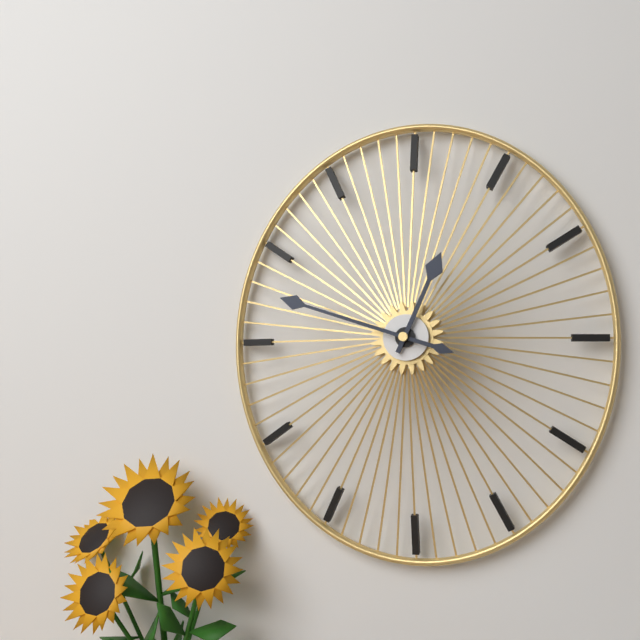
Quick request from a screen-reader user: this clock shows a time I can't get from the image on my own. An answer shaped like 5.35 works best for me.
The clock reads 12.48
